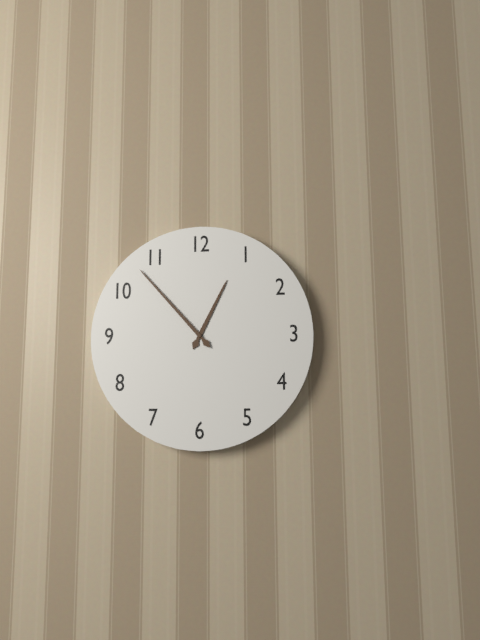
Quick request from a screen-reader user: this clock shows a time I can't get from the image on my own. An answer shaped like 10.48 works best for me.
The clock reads 12.53
